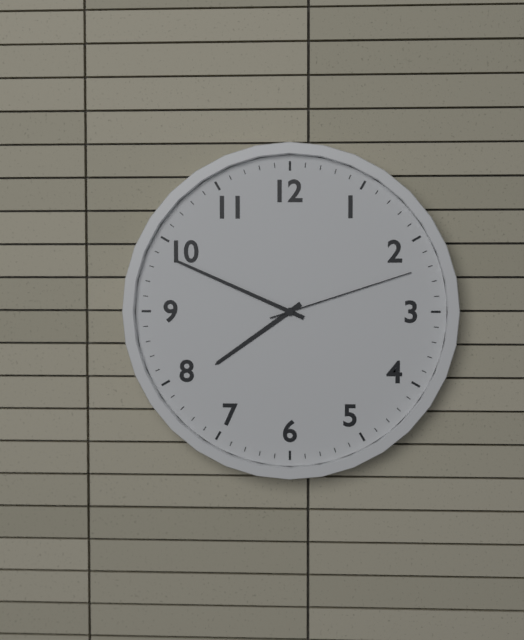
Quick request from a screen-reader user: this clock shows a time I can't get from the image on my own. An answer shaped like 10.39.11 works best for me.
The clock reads 7.49.12
